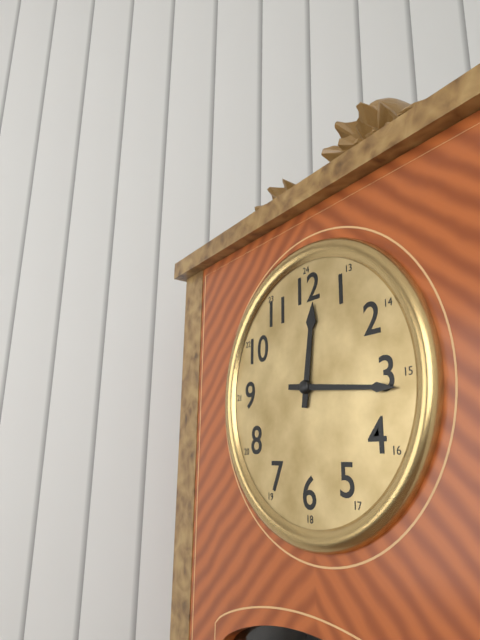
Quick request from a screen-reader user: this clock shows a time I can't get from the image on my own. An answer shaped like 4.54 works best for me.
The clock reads 12.16
